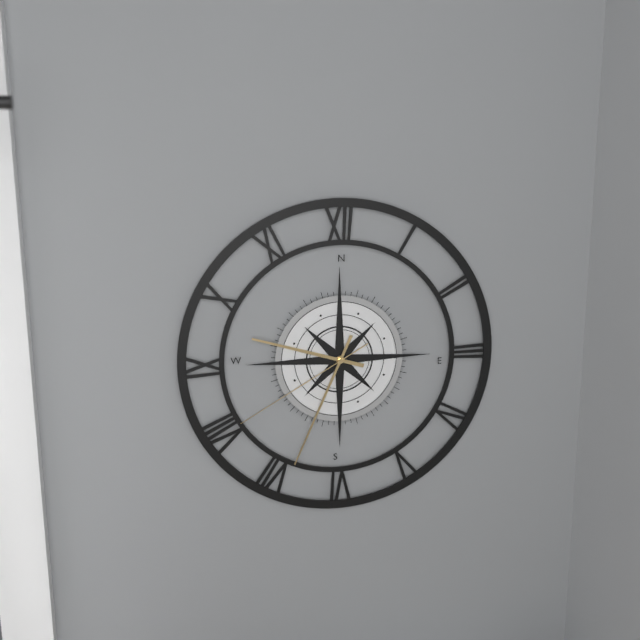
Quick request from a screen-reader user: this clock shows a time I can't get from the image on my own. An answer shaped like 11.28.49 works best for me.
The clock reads 9.34.40
